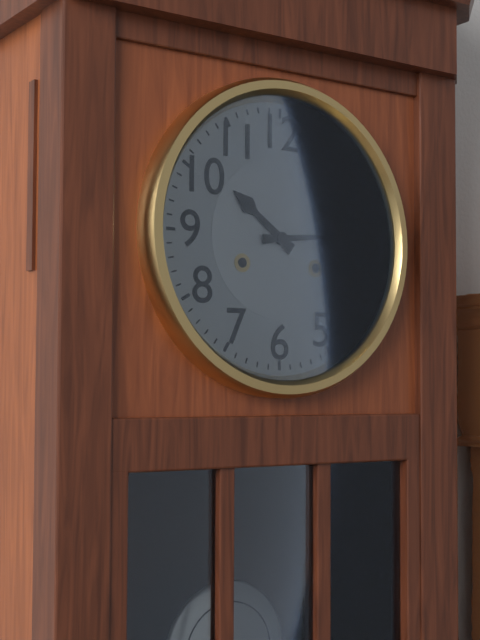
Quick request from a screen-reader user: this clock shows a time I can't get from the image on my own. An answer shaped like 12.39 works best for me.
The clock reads 10.14
